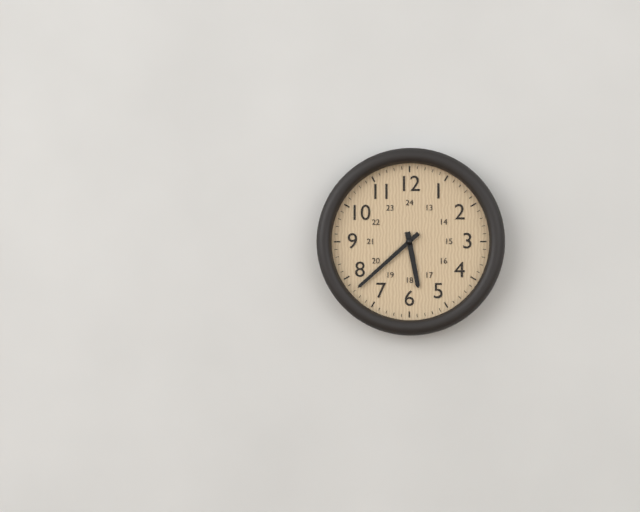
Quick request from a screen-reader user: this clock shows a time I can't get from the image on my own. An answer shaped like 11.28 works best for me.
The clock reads 5.38
